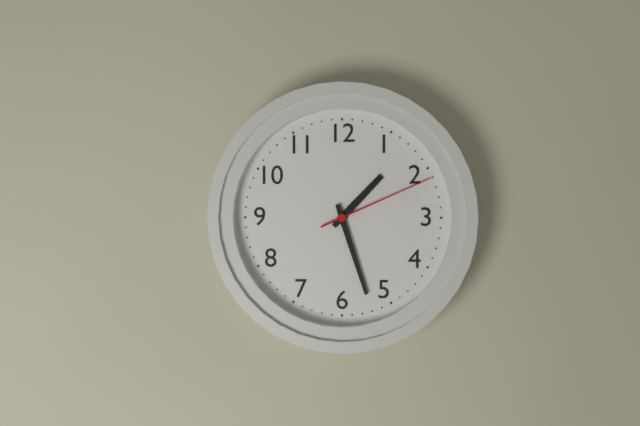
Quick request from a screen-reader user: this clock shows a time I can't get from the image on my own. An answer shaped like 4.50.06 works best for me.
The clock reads 1.27.11
